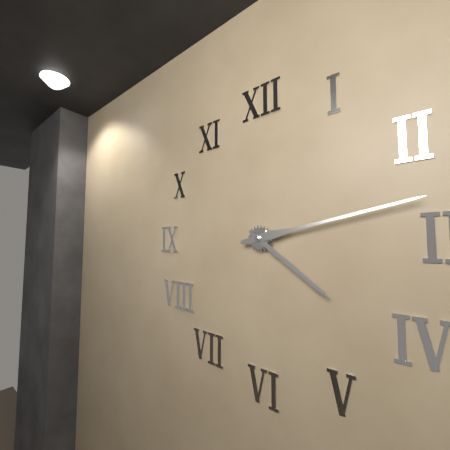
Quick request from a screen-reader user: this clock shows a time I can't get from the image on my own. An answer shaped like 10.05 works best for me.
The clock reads 4.13
